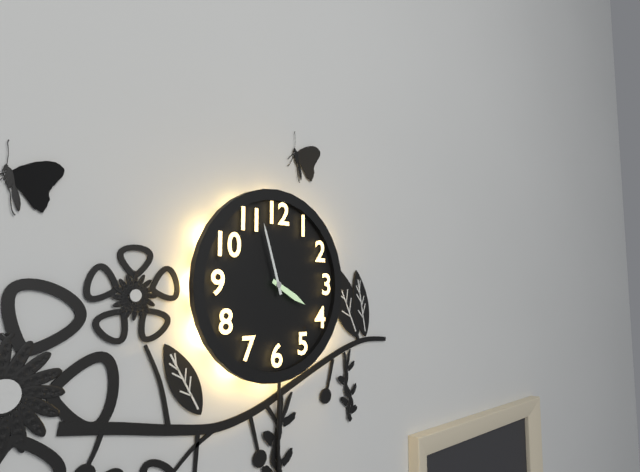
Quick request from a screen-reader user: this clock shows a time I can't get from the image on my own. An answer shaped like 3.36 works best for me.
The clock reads 3.57
